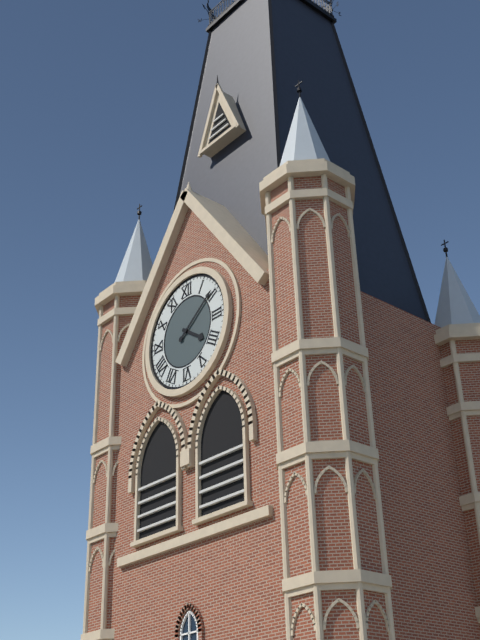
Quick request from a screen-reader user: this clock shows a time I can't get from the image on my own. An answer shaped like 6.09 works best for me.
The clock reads 4.09
